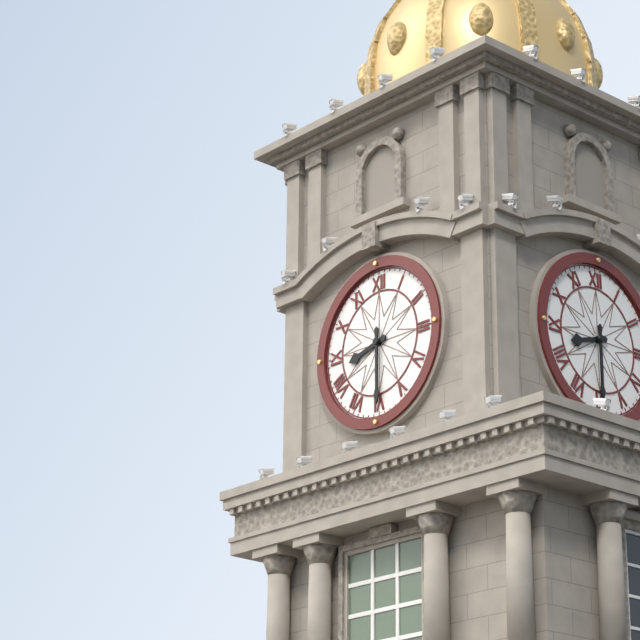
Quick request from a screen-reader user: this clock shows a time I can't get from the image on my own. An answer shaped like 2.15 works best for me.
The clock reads 8.30
